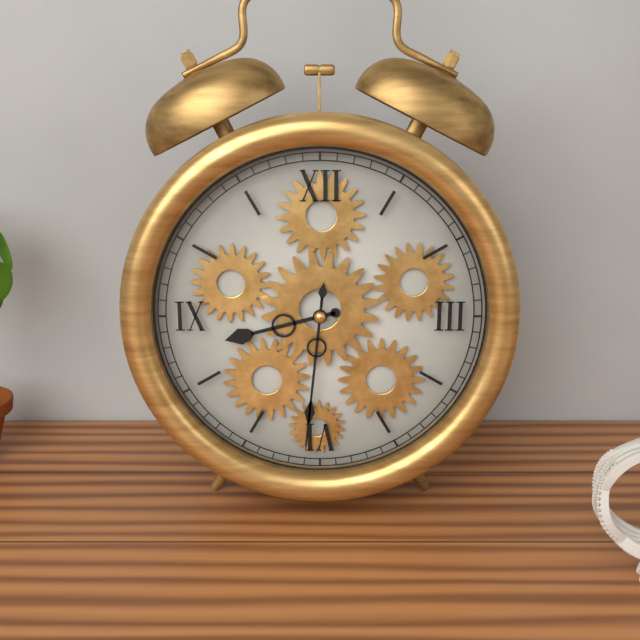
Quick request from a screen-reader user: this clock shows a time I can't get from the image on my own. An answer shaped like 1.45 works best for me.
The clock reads 8.31
